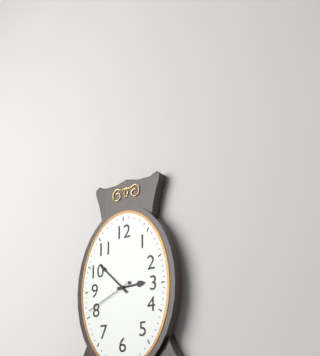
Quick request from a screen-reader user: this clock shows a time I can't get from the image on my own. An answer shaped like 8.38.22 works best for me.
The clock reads 2.52.41
